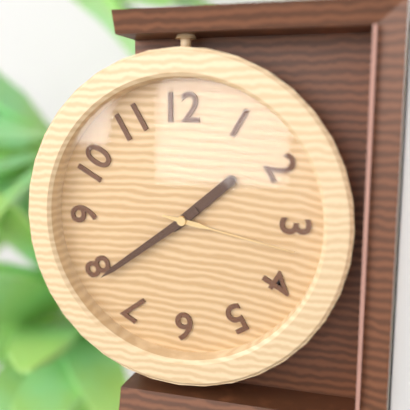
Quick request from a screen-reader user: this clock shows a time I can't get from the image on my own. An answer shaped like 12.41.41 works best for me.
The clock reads 1.39.17
